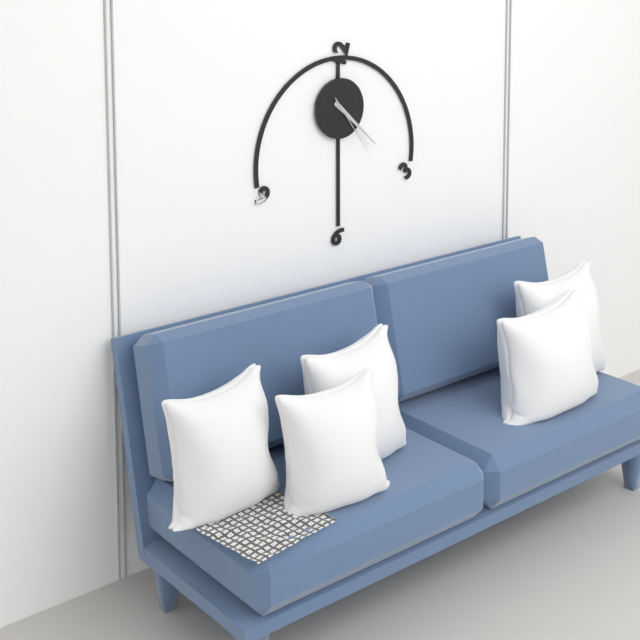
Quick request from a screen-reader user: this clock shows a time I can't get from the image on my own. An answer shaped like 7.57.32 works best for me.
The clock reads 4.22.24
